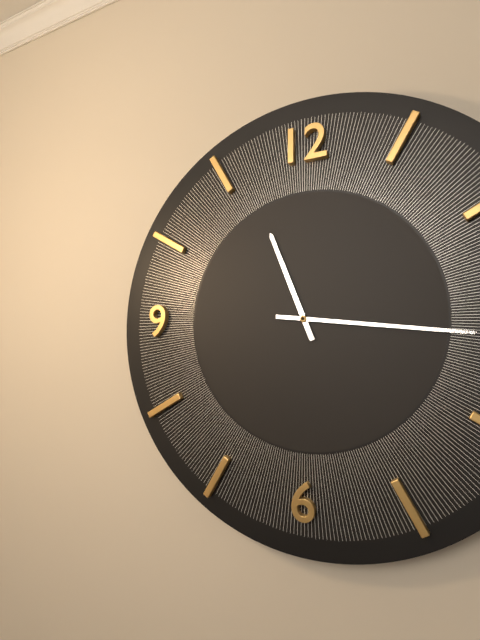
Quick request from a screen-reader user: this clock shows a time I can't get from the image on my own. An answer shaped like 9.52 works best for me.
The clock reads 11.16
